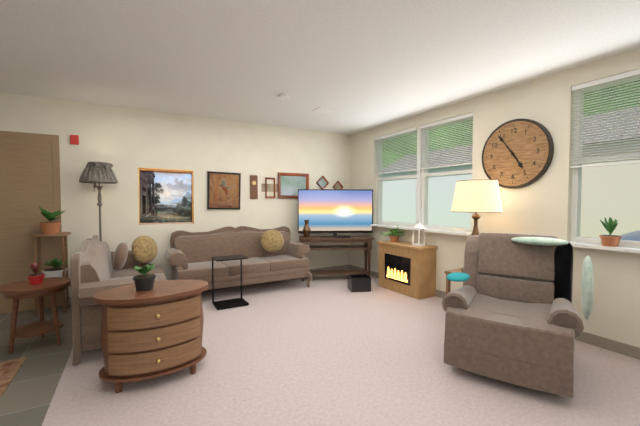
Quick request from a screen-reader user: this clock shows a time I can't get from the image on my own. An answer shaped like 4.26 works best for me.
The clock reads 4.54
